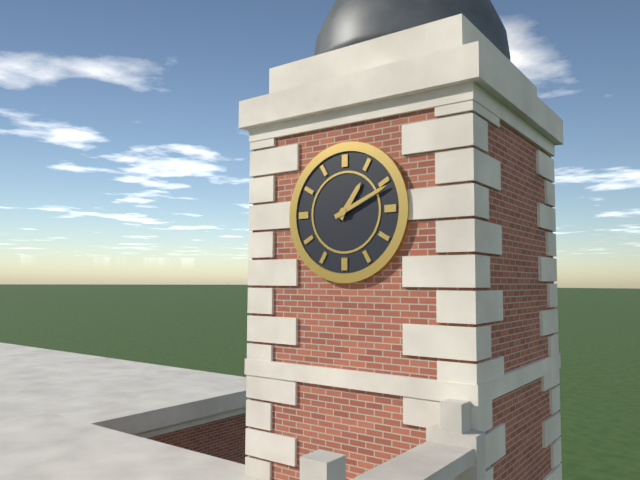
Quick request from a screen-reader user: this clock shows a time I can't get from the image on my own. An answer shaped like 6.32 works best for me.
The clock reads 1.11
